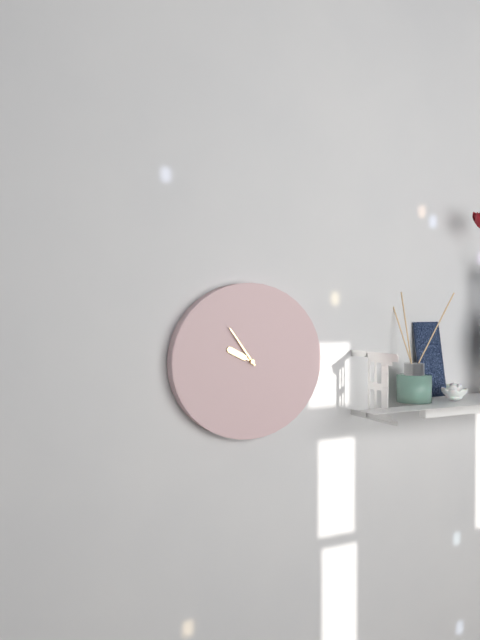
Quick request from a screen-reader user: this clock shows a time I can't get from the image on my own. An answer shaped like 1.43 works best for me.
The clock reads 9.54
